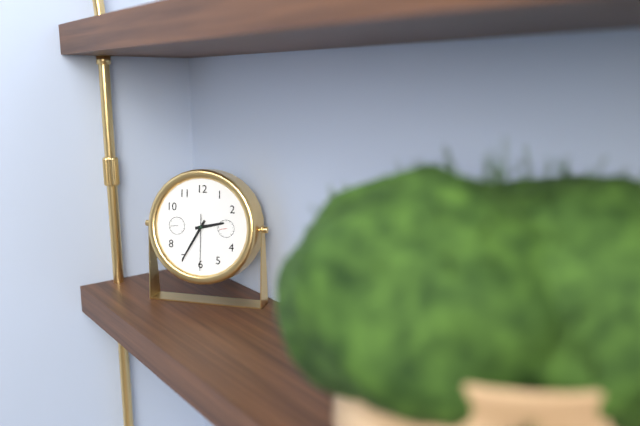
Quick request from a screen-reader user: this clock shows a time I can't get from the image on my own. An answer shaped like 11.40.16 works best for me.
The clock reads 2.35.30
